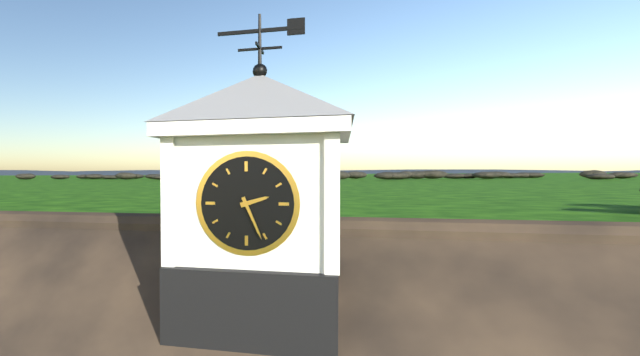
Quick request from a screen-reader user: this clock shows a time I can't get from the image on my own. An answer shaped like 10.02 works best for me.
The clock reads 2.26
